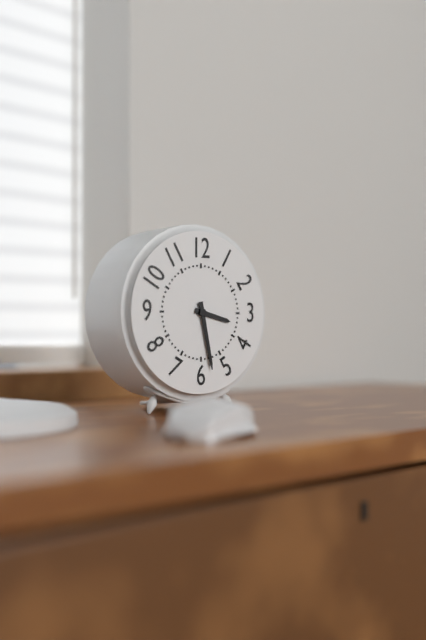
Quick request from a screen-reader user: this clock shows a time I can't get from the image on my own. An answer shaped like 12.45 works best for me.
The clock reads 3.28
